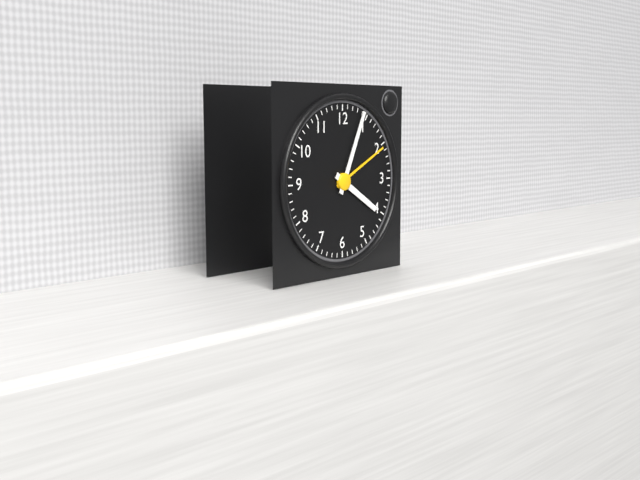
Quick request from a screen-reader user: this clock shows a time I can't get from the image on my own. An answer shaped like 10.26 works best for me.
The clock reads 4.04
